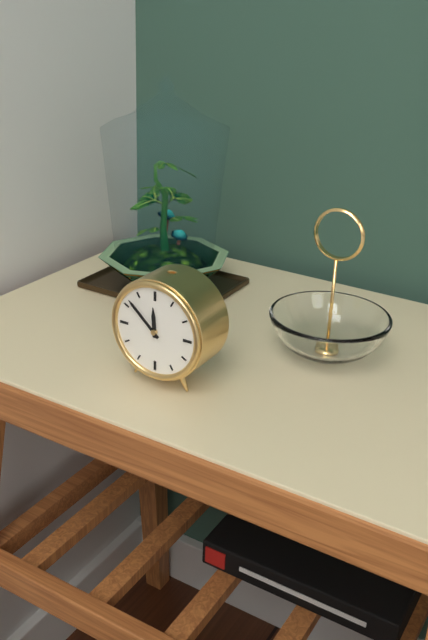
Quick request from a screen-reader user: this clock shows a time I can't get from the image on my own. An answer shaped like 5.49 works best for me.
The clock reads 11.52
